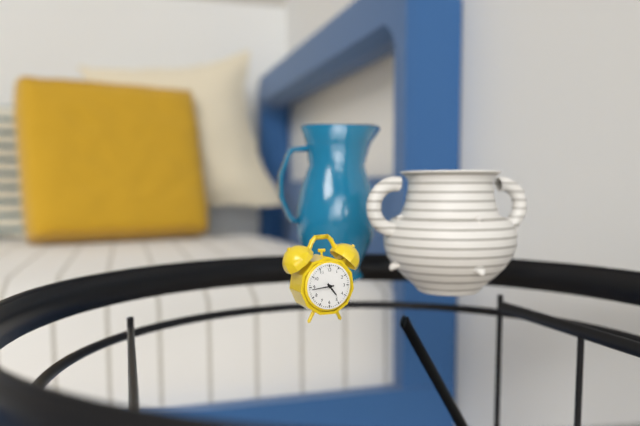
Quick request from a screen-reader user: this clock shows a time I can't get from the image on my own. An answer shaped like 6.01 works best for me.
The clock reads 4.44
